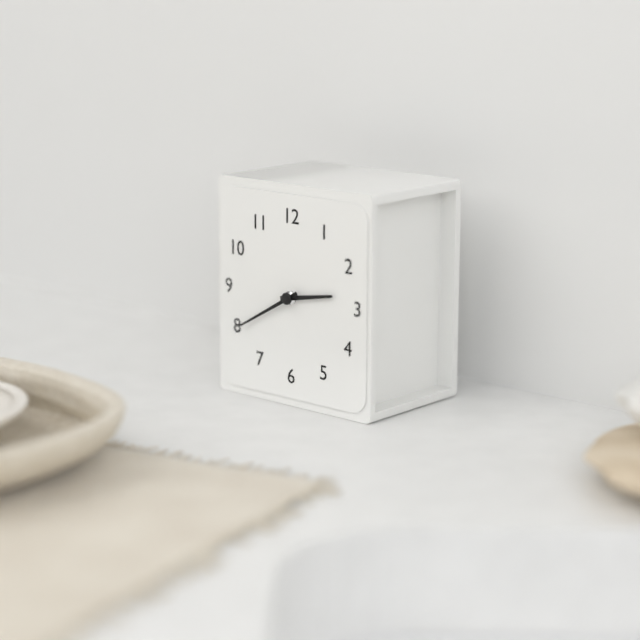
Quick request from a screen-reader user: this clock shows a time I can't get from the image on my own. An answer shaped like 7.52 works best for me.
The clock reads 2.40
